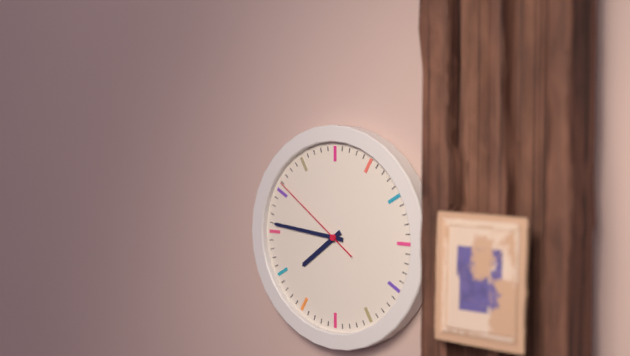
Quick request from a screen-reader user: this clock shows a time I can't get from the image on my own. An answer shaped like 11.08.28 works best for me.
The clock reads 7.46.51
